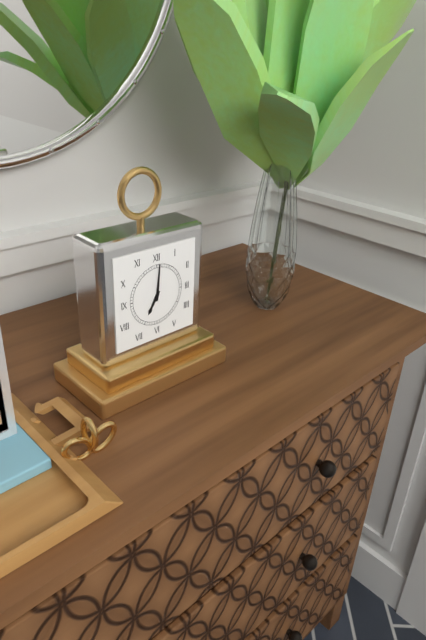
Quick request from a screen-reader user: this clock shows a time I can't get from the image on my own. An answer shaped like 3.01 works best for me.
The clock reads 7.01
